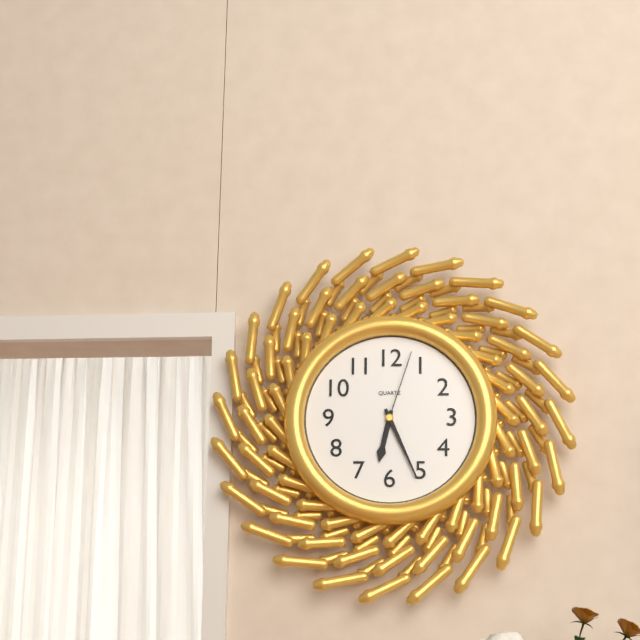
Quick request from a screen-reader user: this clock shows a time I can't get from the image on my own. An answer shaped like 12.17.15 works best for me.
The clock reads 6.26.03
